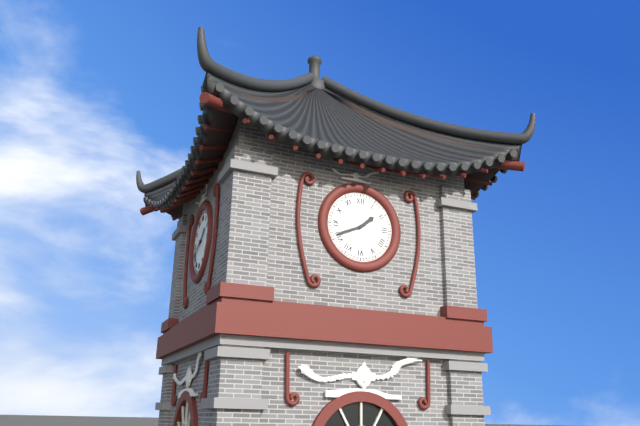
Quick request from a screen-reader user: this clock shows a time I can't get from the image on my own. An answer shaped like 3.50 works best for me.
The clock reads 1.41
